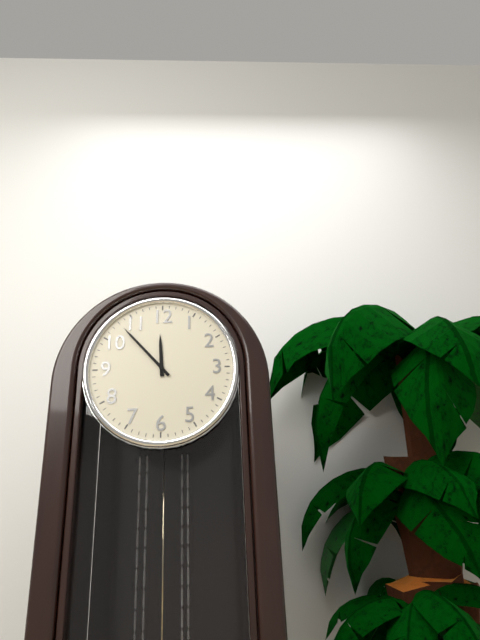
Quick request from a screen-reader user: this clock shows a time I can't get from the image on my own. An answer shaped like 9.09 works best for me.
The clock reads 11.53
